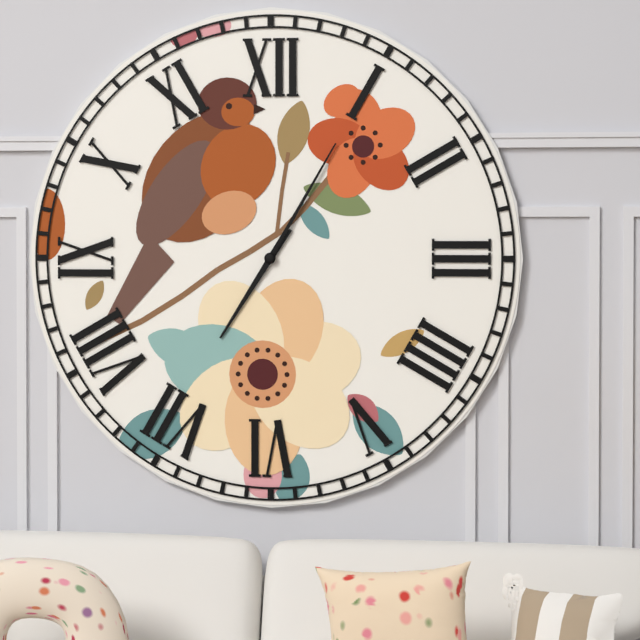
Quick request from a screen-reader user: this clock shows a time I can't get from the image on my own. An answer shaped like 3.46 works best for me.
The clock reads 7.05
